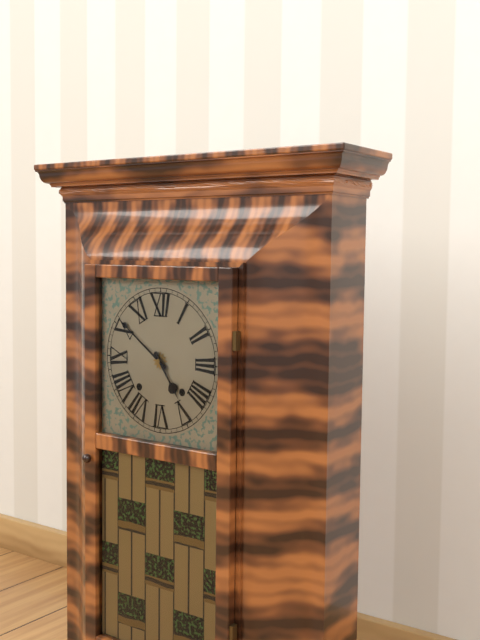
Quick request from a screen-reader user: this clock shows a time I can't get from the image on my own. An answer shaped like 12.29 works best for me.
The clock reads 4.51
